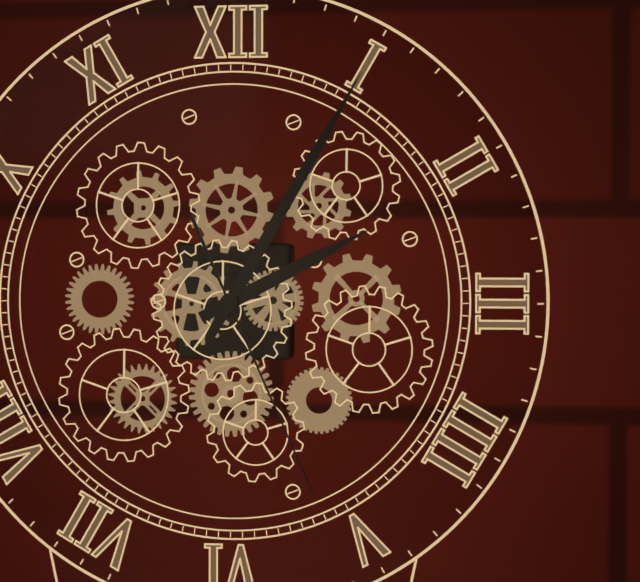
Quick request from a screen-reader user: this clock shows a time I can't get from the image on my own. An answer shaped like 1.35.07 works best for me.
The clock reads 2.05.26
